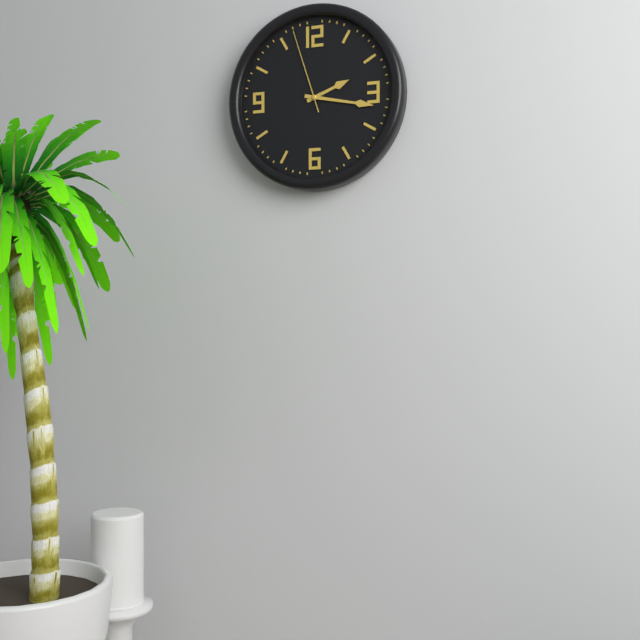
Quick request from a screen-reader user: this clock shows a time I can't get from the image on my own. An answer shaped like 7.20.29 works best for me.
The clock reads 2.17.57
